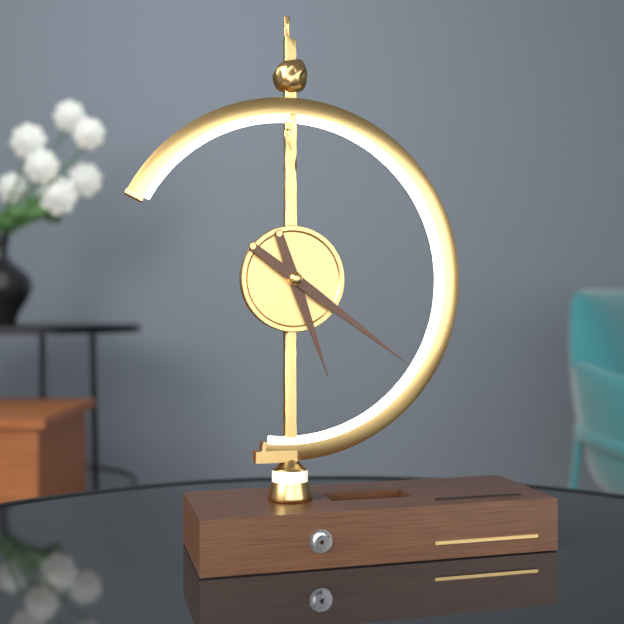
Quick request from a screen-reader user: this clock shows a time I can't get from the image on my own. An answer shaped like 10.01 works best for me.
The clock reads 5.21
